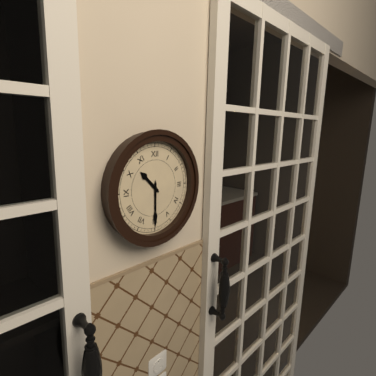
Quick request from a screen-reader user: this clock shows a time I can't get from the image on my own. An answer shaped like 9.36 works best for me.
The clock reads 10.30
